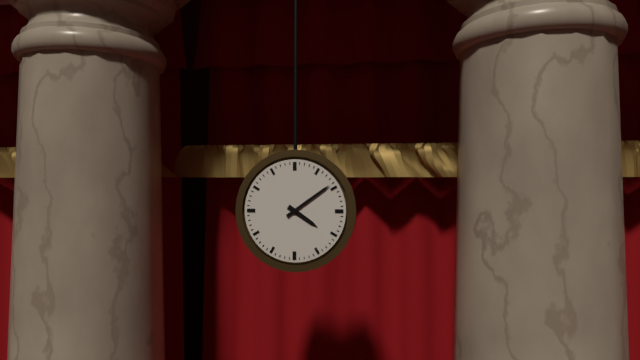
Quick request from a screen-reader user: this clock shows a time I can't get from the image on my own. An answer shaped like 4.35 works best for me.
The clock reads 4.09
